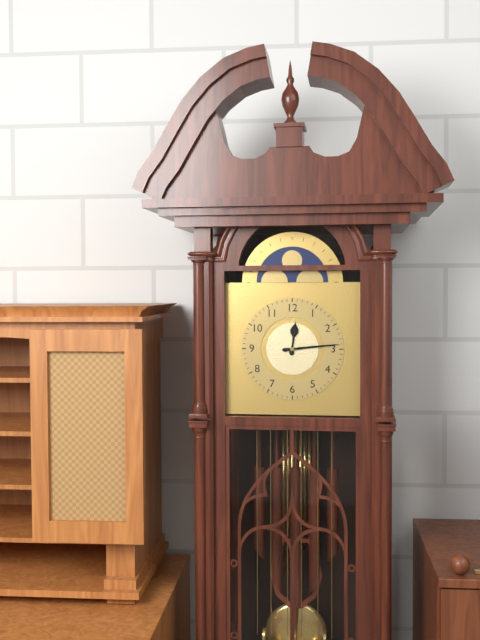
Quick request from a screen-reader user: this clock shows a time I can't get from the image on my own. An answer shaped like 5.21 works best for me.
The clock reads 12.14
